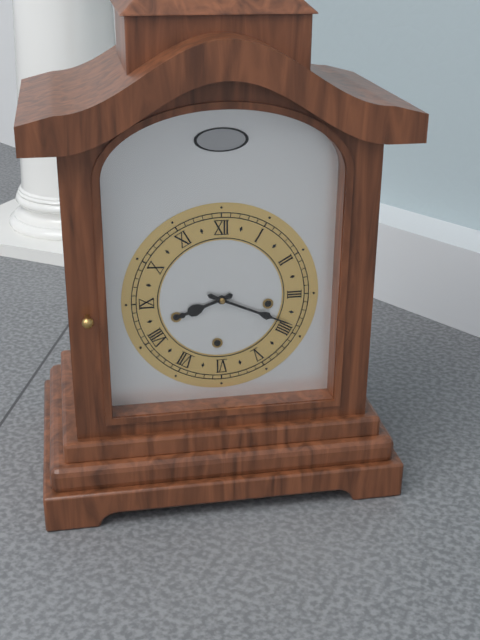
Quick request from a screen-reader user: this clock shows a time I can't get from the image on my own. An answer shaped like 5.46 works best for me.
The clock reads 8.19
